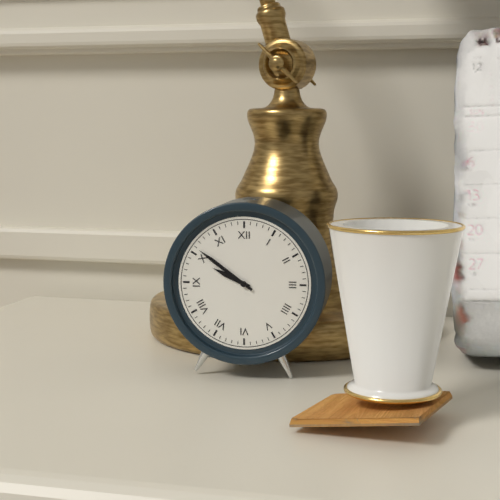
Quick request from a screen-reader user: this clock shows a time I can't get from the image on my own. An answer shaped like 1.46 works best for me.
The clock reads 9.51
